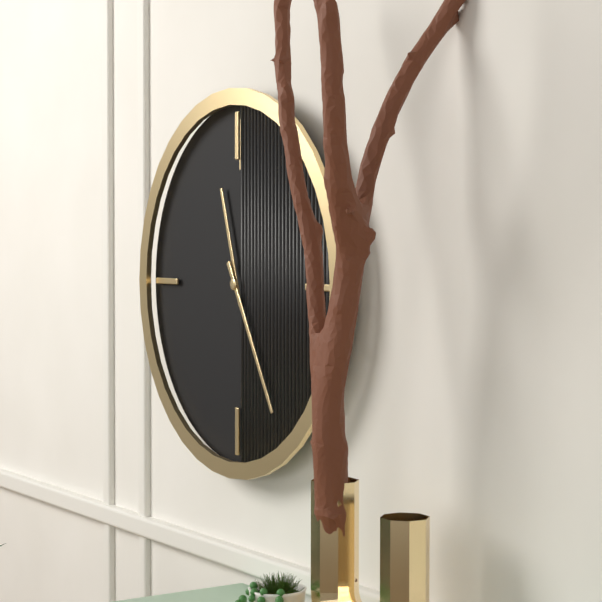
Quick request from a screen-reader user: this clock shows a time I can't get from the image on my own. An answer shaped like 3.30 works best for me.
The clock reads 11.25
